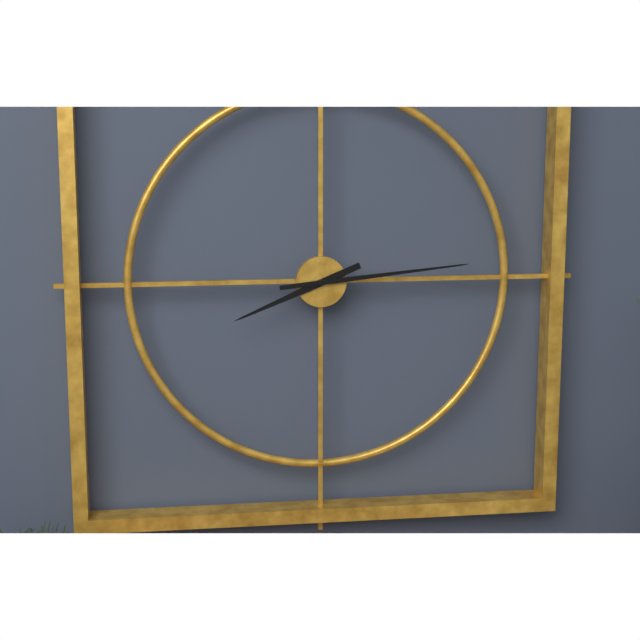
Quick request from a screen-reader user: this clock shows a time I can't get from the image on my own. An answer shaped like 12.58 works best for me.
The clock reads 8.14
